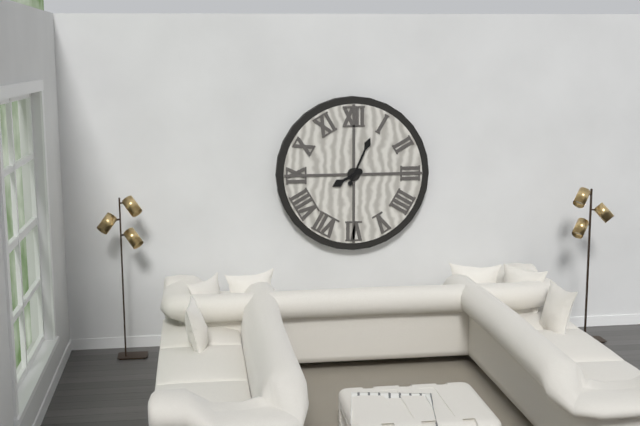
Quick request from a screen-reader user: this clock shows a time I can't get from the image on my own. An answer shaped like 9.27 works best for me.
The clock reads 8.04
